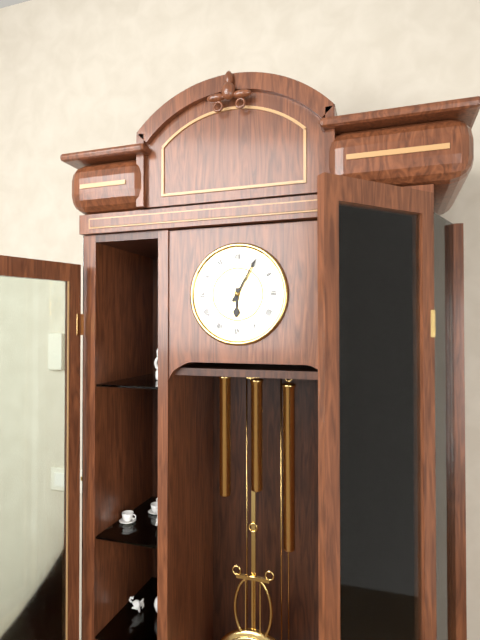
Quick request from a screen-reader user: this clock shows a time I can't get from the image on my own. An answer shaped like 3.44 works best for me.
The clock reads 6.05
